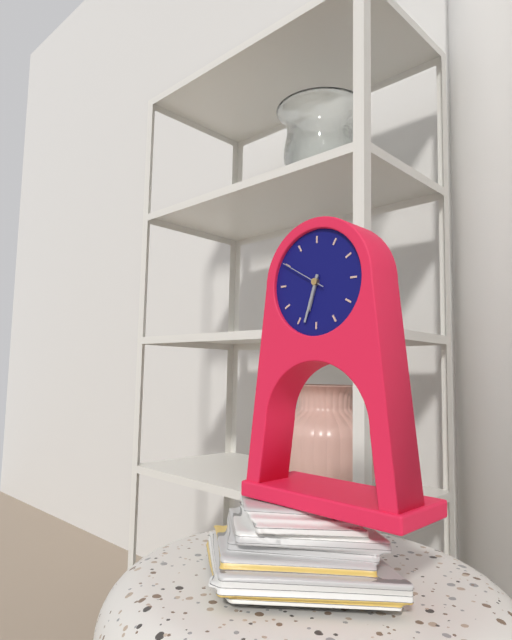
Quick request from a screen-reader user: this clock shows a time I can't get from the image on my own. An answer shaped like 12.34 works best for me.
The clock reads 6.33
